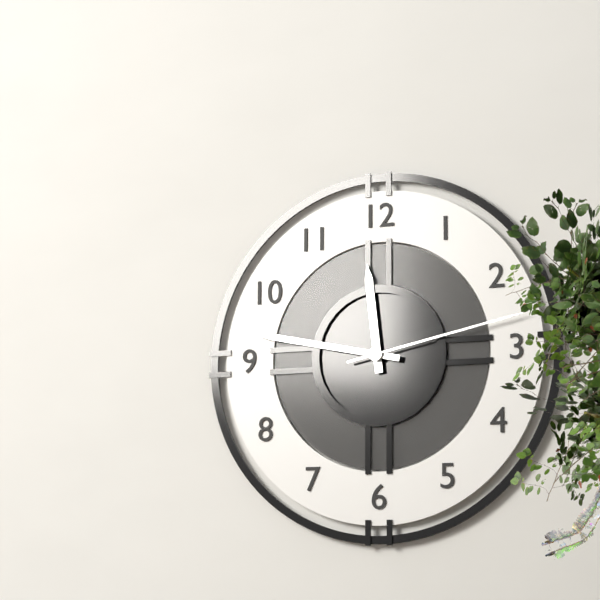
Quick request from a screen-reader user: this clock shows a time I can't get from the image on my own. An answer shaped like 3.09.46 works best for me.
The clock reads 11.47.13
